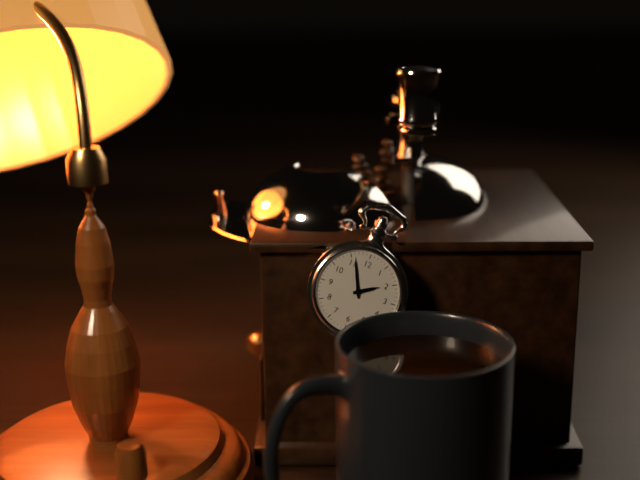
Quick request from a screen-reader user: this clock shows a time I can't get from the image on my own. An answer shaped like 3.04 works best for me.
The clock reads 1.56
